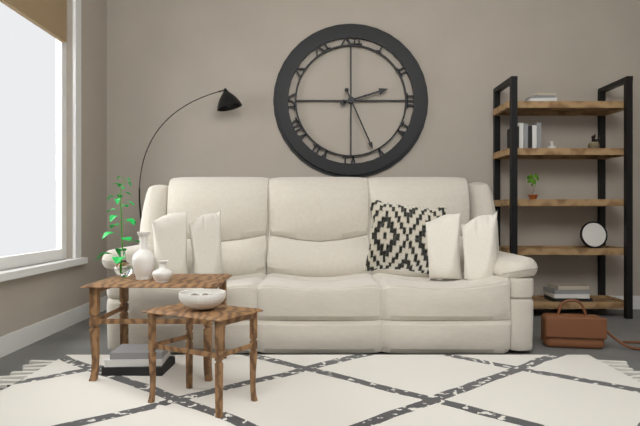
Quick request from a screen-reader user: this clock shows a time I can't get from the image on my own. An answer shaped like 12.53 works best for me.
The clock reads 2.26
